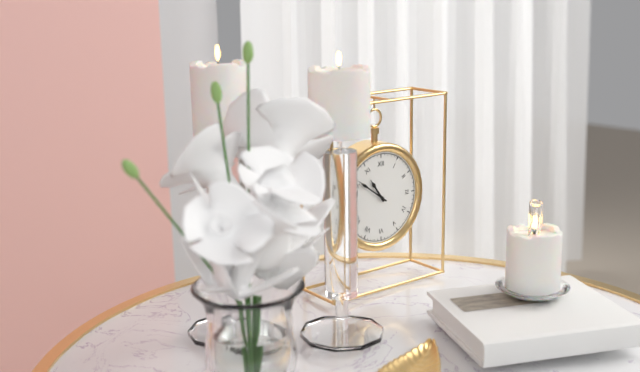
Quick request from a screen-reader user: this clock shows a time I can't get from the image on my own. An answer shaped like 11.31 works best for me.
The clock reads 10.51
